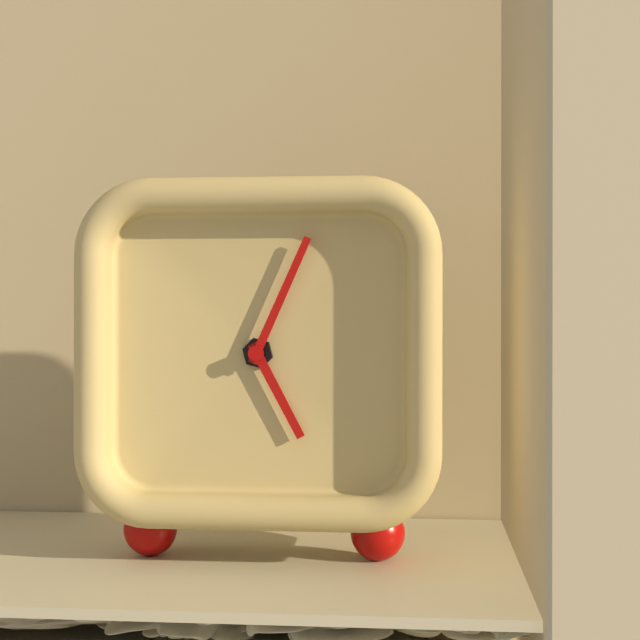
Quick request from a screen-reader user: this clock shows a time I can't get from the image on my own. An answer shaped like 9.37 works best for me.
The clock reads 5.04
